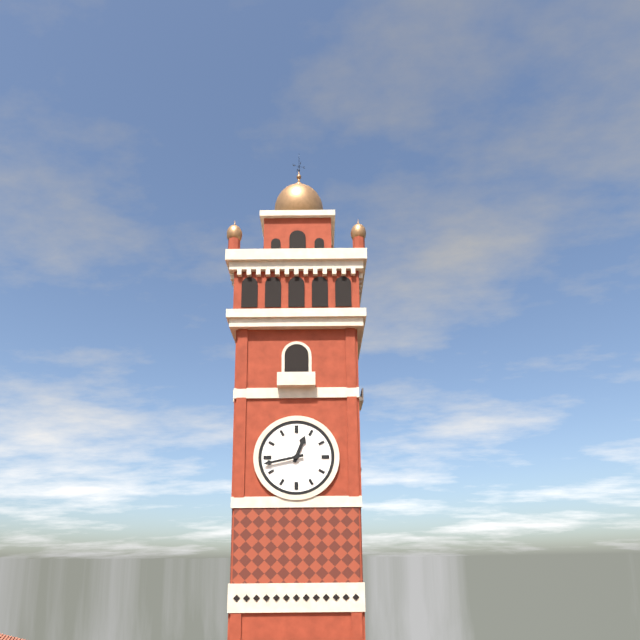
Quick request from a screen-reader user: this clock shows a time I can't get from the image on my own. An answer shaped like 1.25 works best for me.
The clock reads 12.43
